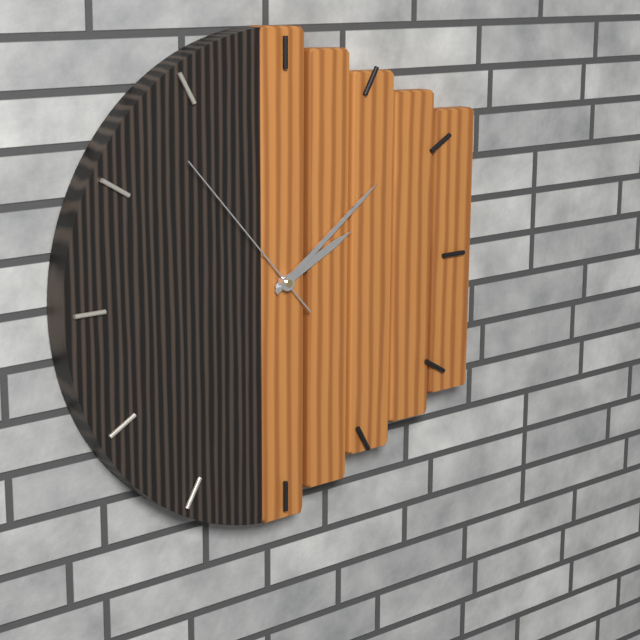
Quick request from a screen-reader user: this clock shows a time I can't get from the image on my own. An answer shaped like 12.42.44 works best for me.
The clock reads 2.09.53
